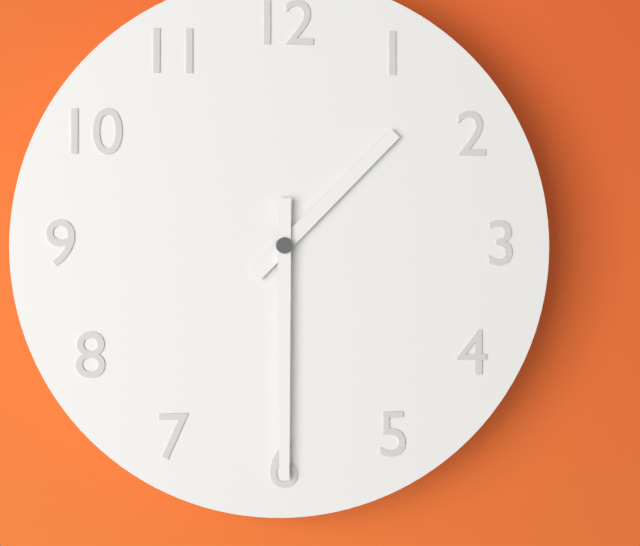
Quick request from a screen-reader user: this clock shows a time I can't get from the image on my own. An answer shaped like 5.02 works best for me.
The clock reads 1.30
